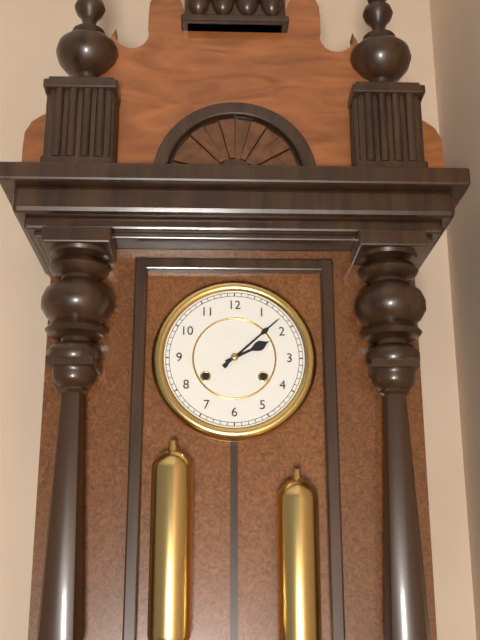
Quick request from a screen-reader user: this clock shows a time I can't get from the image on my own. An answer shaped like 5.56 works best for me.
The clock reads 2.08
